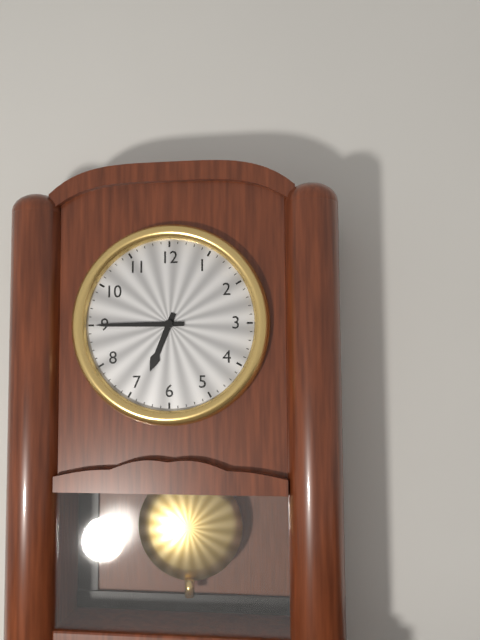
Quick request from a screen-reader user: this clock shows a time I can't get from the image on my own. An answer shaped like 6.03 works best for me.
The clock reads 6.45
